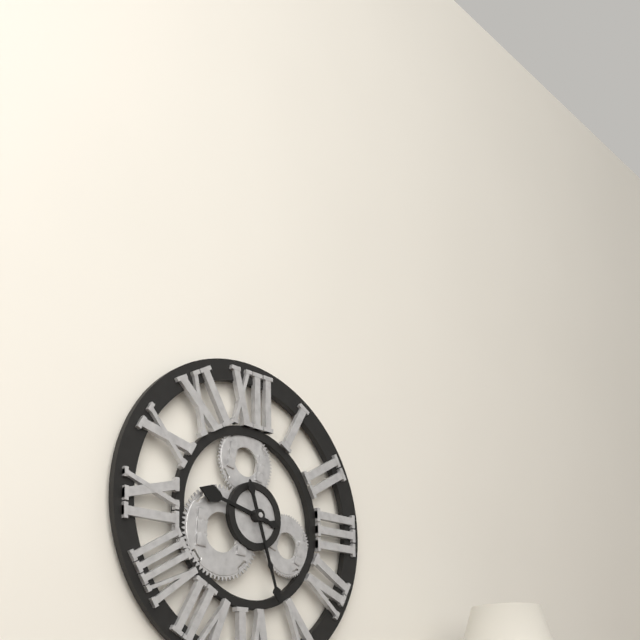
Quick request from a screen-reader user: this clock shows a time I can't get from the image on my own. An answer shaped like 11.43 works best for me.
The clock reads 9.27
